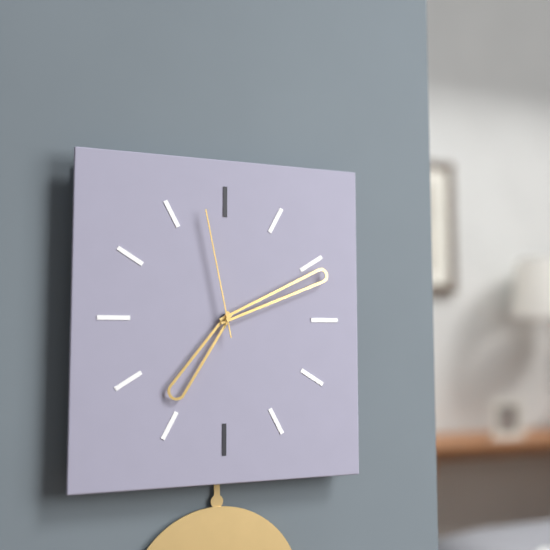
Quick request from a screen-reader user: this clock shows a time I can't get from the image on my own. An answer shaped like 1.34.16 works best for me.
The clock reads 7.11.58
